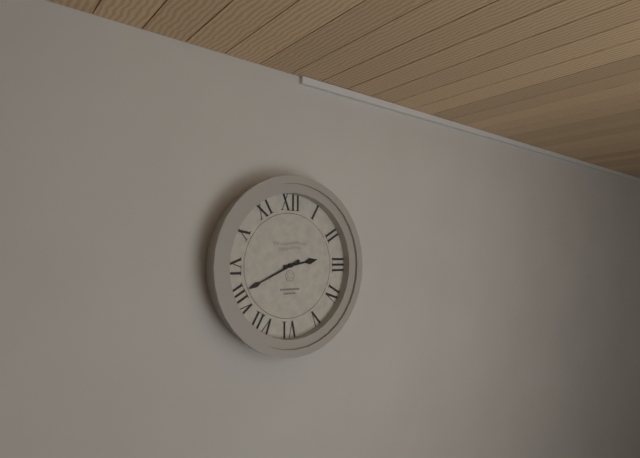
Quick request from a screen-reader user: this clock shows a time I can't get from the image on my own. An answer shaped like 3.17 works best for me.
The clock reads 2.41
